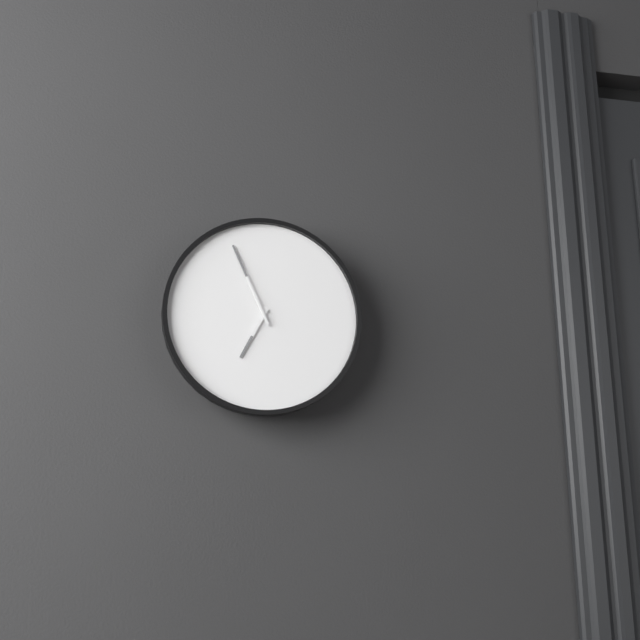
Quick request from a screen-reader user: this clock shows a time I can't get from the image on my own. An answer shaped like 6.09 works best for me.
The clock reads 6.56
